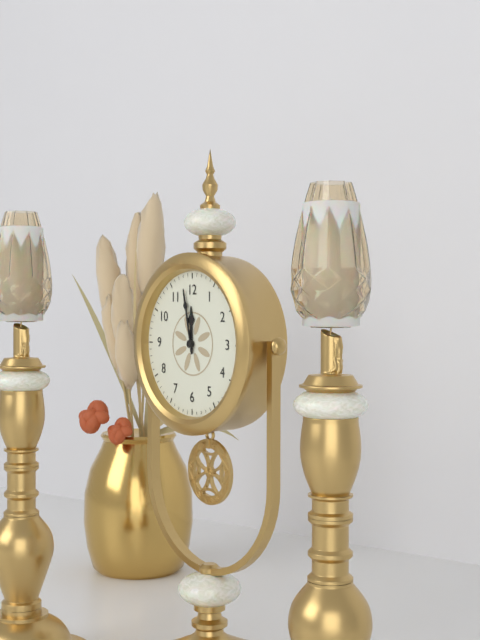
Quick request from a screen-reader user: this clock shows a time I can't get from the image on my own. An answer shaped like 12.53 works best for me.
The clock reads 11.58
